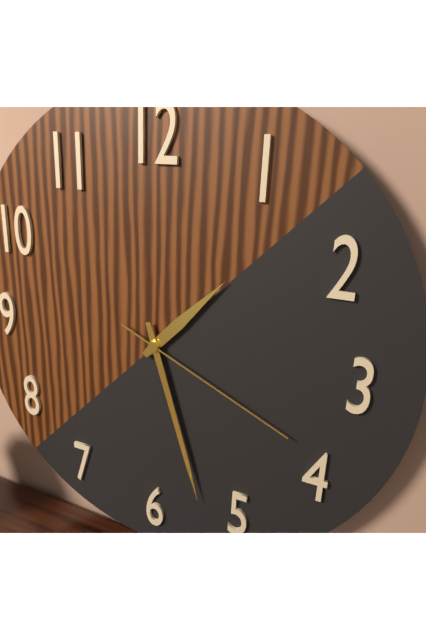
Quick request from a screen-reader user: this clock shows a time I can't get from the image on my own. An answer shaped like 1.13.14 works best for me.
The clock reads 1.27.19
